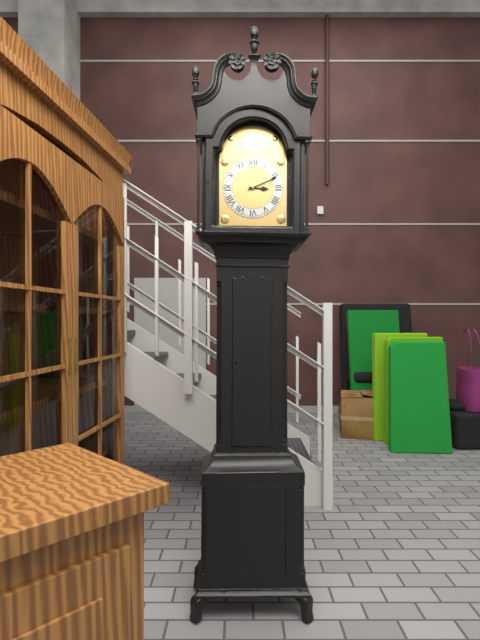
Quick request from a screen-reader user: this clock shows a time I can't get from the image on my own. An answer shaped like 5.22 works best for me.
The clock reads 3.11
